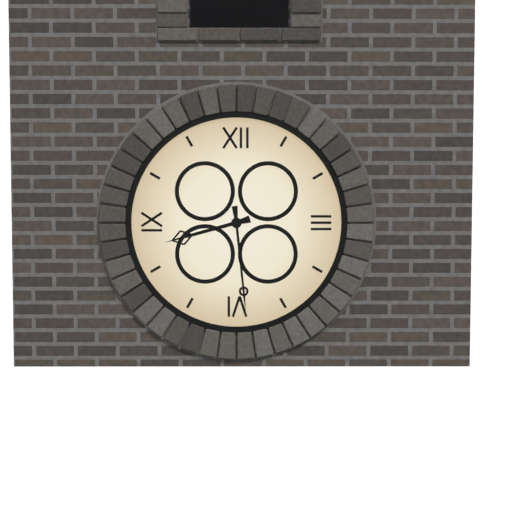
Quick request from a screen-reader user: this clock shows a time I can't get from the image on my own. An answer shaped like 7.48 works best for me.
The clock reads 8.29
